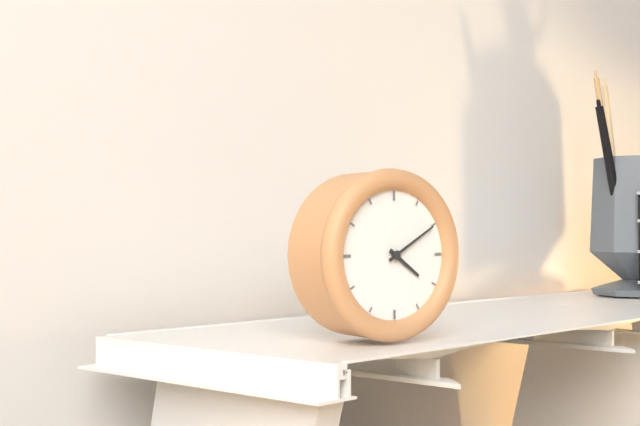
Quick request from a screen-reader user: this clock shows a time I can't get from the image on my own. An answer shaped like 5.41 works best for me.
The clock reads 4.10
